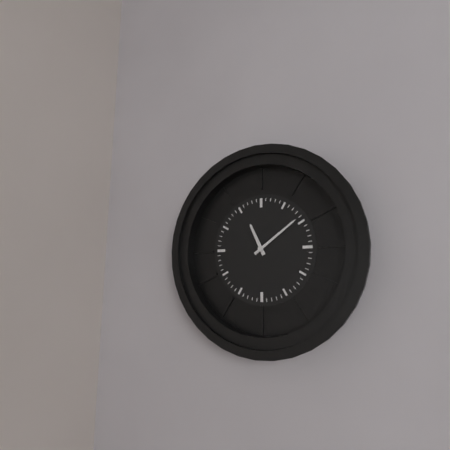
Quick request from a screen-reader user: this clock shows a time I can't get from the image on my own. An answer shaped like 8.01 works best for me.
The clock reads 11.09
